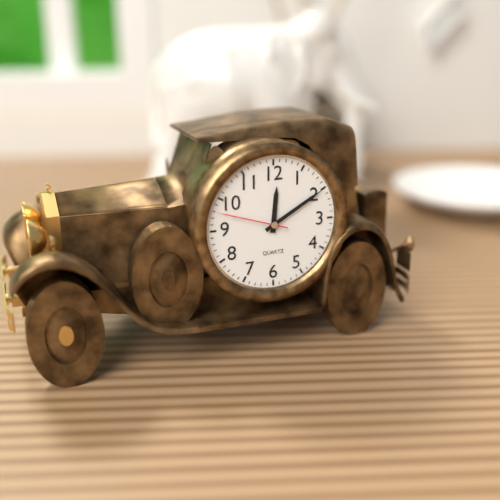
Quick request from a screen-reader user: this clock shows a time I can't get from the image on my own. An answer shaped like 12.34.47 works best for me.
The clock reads 12.10.48
